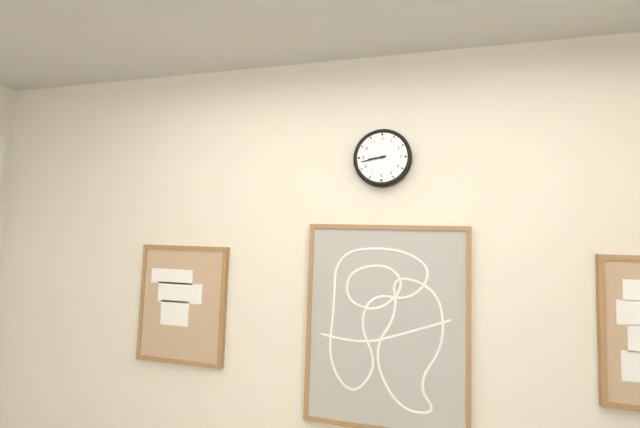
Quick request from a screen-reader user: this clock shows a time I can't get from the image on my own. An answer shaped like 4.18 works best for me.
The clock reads 8.43
